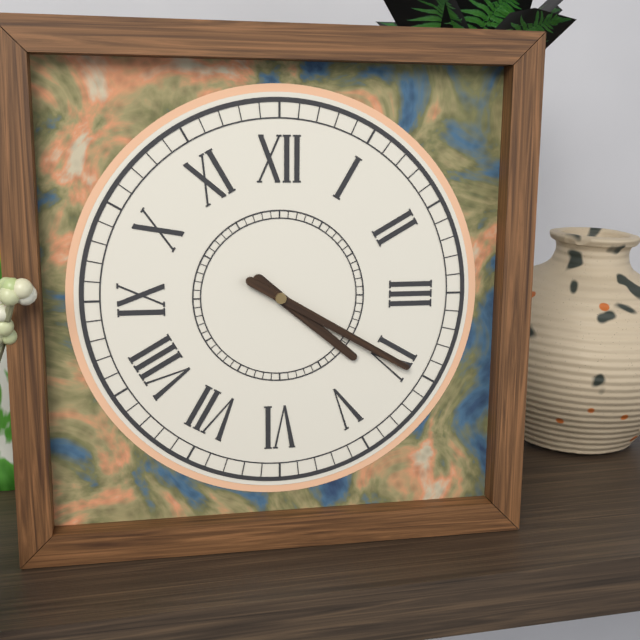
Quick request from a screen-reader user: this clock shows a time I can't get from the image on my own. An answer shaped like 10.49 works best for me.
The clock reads 4.20
